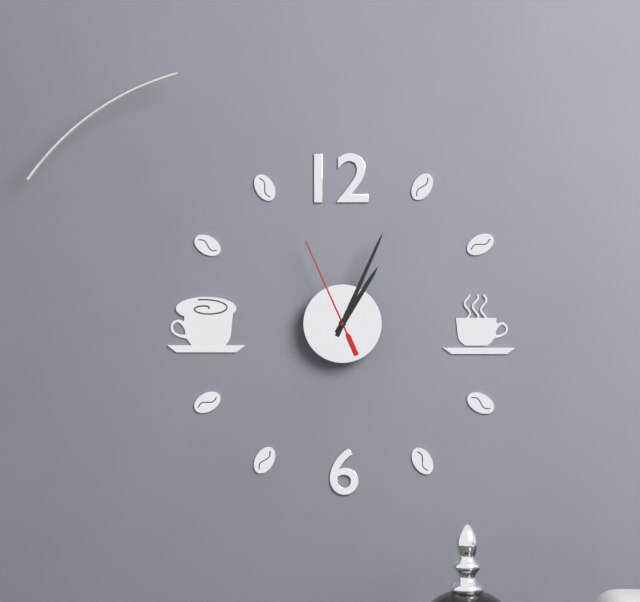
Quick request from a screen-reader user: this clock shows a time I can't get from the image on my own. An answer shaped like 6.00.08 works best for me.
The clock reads 1.04.56
